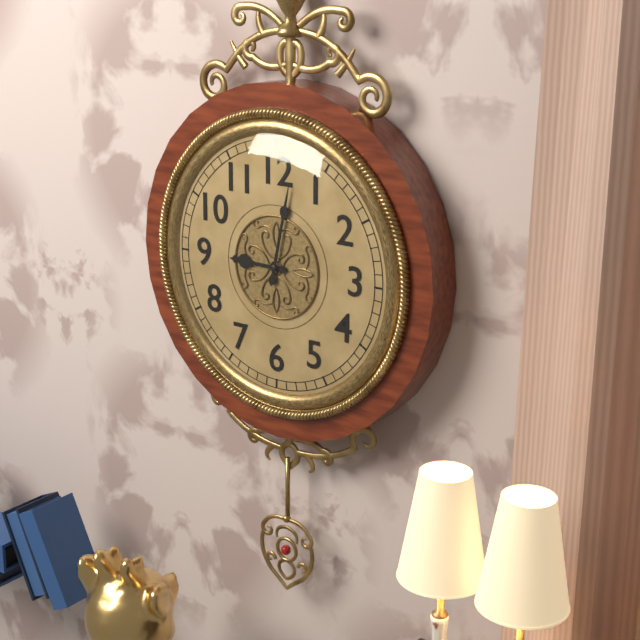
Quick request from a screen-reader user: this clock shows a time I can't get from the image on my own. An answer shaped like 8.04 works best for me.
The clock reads 9.02
